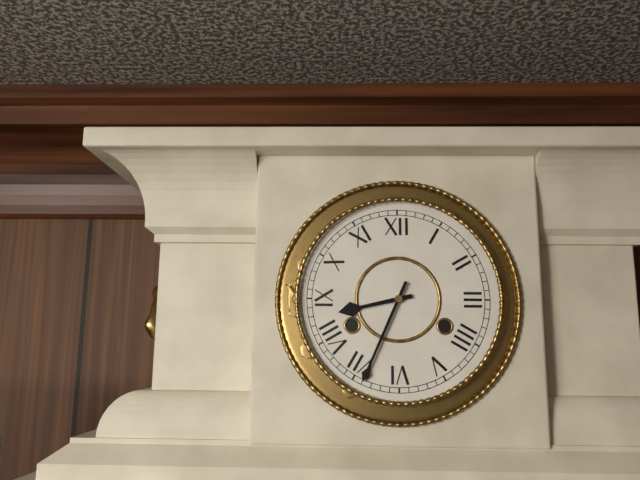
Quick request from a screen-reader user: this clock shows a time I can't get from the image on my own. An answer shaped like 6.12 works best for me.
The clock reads 8.34
